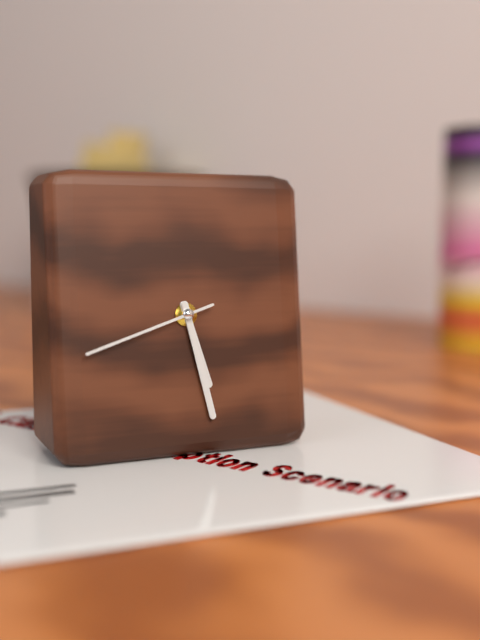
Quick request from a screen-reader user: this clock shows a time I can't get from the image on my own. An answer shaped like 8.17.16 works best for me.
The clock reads 5.28.42
